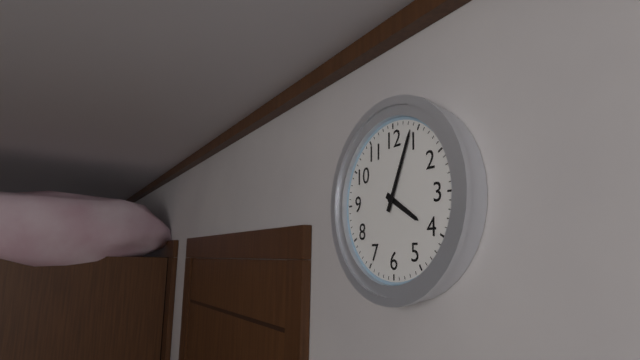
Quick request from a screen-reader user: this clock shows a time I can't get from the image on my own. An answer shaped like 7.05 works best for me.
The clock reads 4.04
